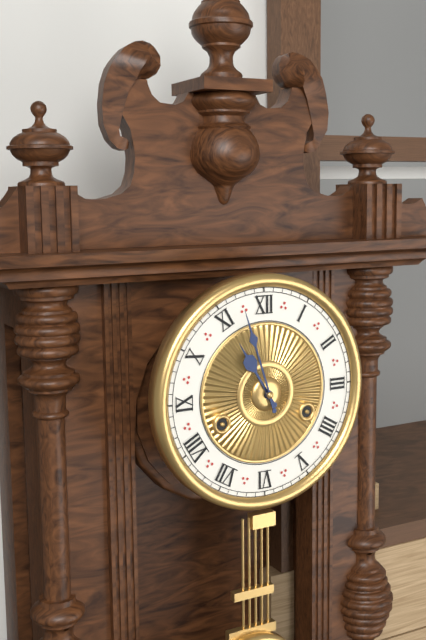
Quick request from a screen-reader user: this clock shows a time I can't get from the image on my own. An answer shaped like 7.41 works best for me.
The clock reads 10.57
